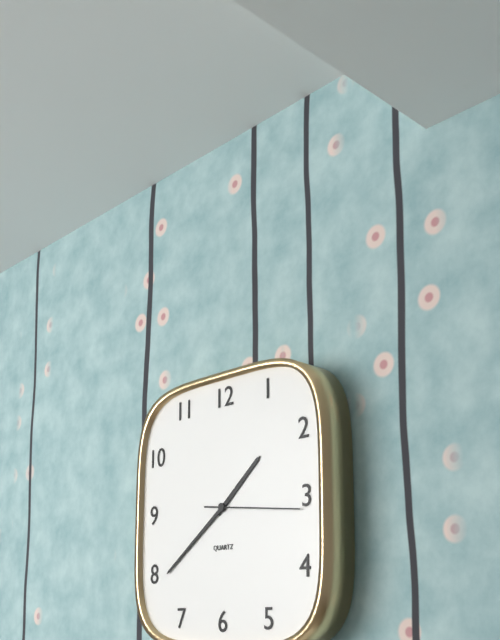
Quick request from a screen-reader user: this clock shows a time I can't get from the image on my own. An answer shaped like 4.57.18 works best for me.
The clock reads 1.39.16
